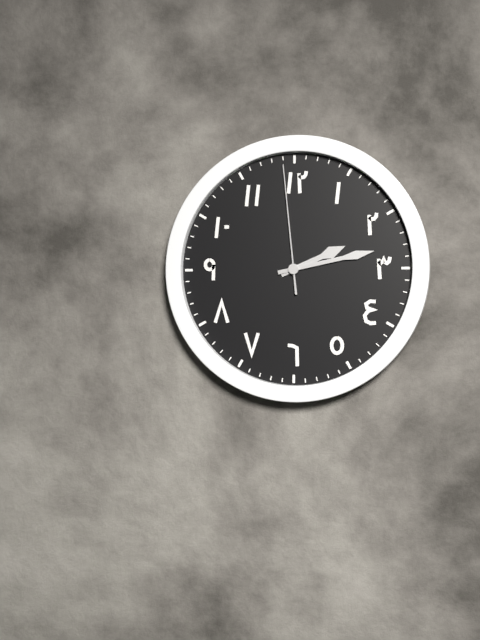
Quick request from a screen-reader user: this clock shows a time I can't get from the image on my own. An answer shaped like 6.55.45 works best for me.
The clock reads 2.13.59
